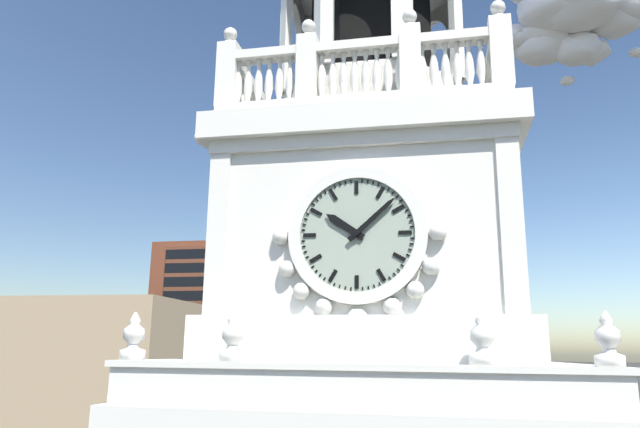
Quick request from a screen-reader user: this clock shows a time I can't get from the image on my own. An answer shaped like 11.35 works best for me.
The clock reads 10.08
